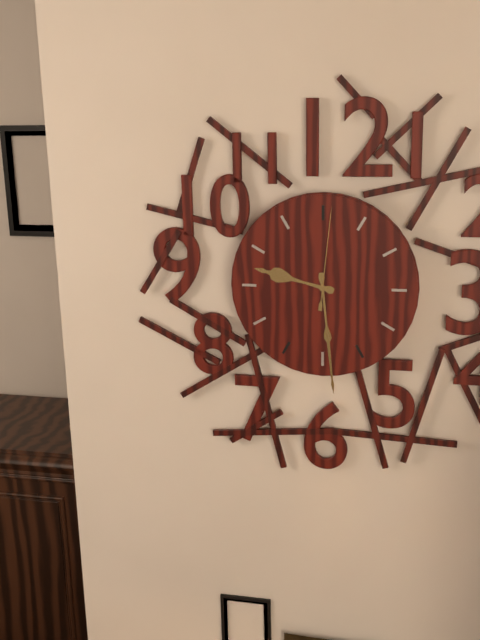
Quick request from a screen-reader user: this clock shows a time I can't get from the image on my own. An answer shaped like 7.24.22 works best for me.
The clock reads 9.29.01
